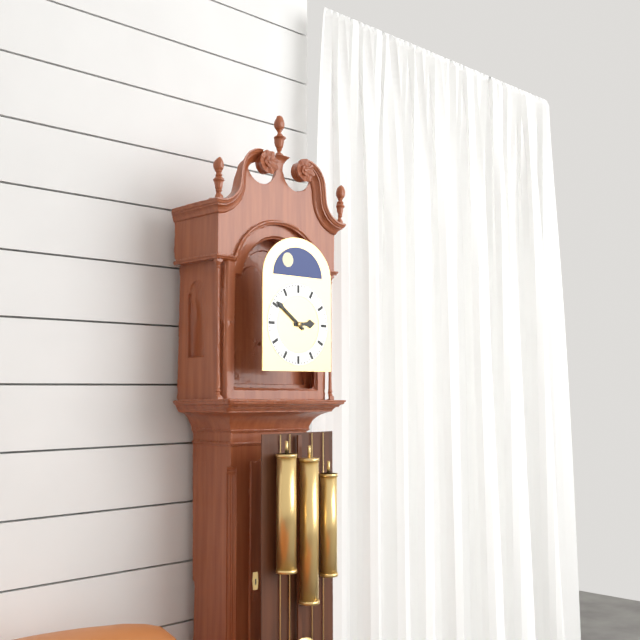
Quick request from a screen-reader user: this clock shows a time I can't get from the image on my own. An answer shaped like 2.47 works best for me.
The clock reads 2.51
